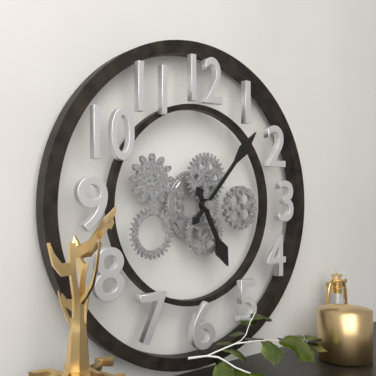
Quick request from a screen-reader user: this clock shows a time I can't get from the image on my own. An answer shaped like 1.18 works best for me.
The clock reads 5.07
